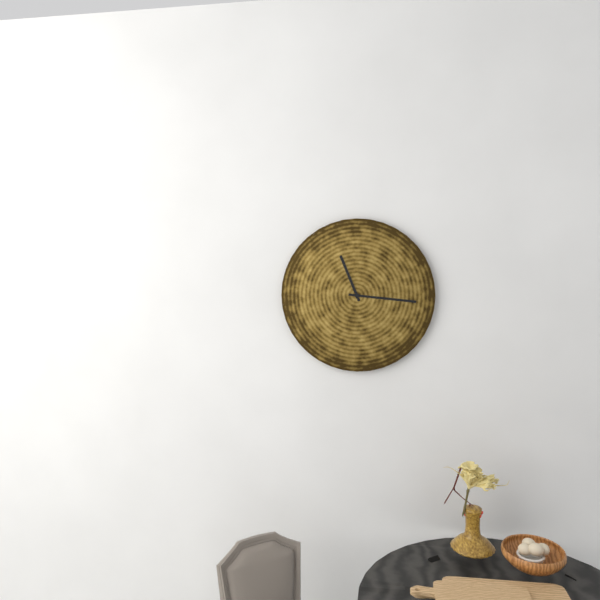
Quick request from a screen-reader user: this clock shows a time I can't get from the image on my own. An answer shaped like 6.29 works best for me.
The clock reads 11.16
